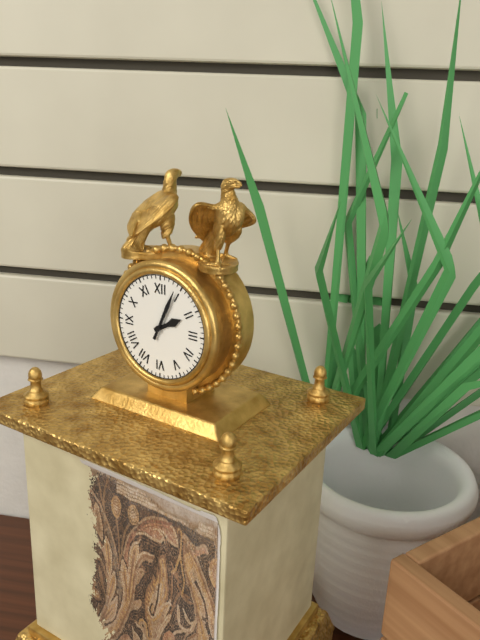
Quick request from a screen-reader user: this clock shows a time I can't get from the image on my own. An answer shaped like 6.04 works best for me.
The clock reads 2.04
